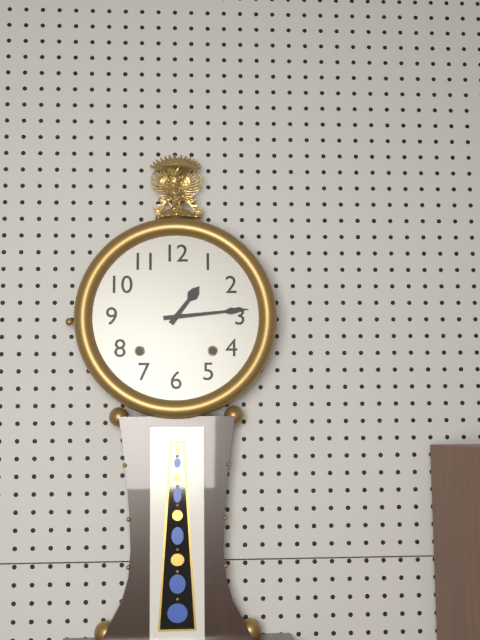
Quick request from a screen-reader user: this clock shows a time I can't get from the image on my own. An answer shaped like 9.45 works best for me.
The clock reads 1.14
